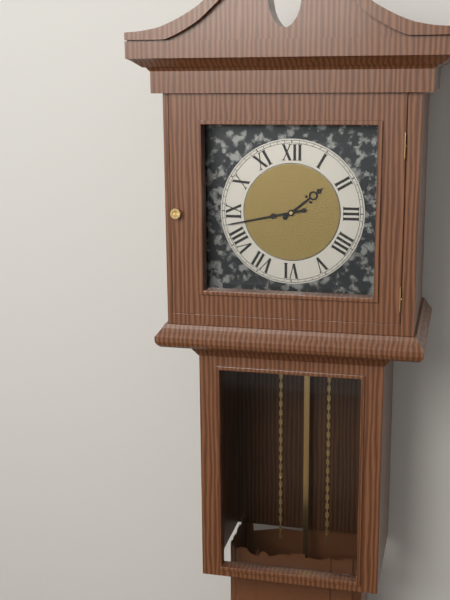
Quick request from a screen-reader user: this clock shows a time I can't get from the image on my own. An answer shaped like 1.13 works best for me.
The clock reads 1.43
